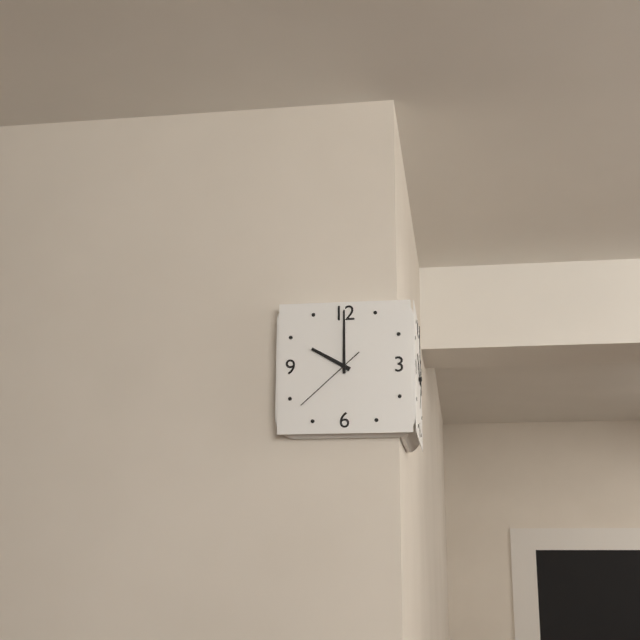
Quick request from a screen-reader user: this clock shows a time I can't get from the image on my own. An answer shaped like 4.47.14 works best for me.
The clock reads 10.00.38
